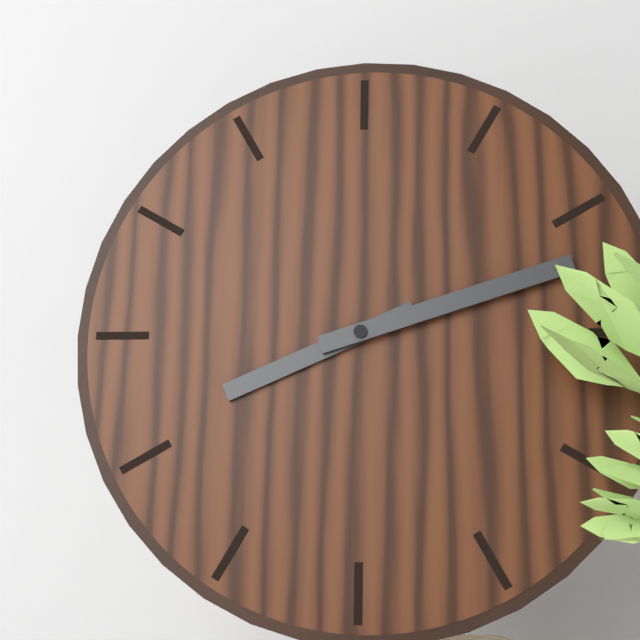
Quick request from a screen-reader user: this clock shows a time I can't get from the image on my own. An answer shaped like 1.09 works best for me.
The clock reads 8.12
